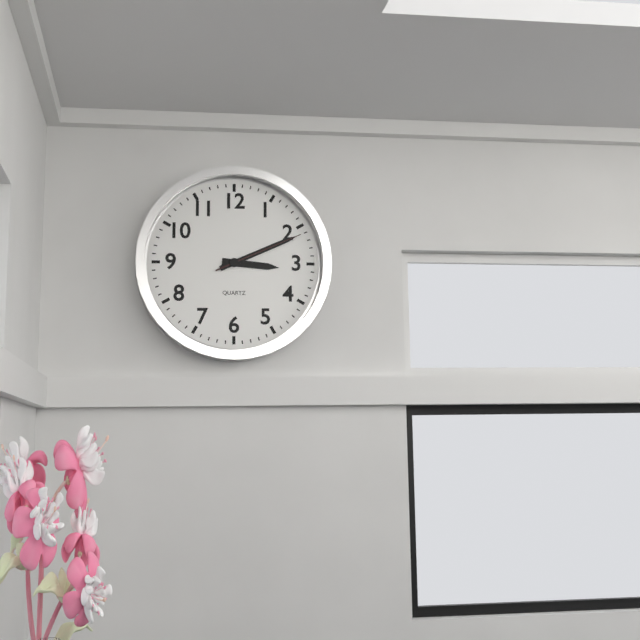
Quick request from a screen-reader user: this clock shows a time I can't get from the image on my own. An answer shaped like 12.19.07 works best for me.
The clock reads 3.11.11
